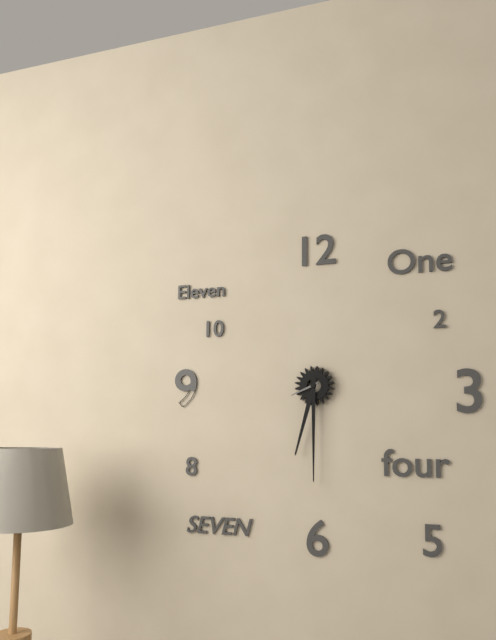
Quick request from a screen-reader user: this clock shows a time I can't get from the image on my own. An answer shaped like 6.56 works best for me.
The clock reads 6.30
